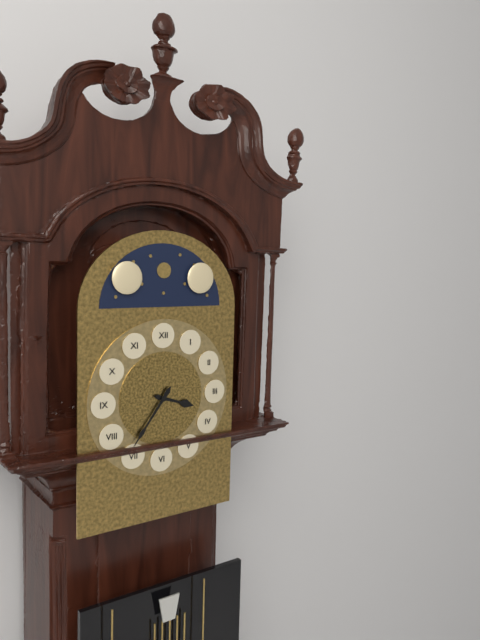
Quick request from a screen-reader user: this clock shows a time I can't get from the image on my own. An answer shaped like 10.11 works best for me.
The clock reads 3.36
